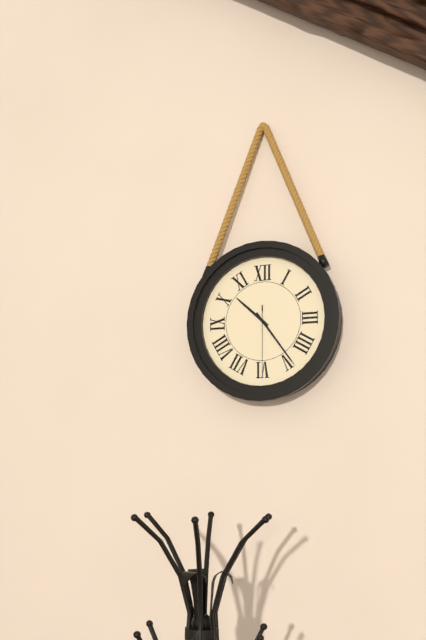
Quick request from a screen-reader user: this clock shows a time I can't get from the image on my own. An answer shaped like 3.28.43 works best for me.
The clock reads 10.24.30
